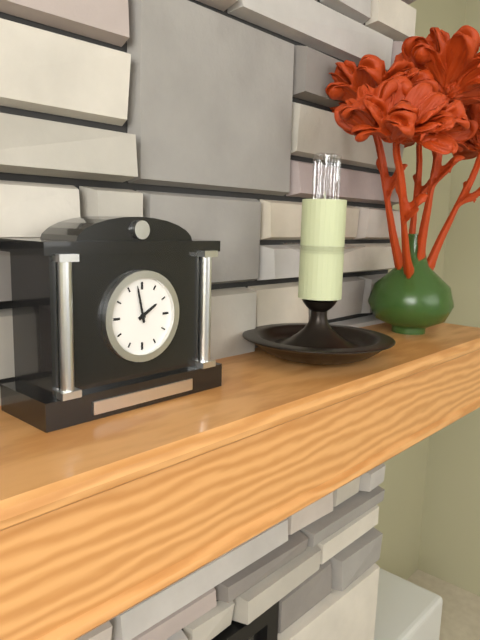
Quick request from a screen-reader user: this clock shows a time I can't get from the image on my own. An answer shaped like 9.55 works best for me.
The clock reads 1.58
